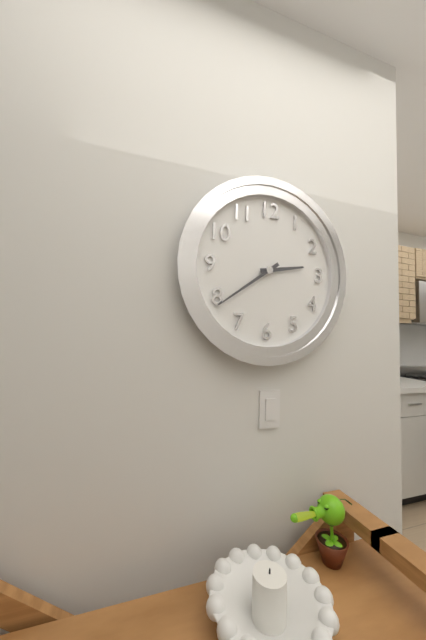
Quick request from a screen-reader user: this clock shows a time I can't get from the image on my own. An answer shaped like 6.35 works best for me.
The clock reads 2.39
